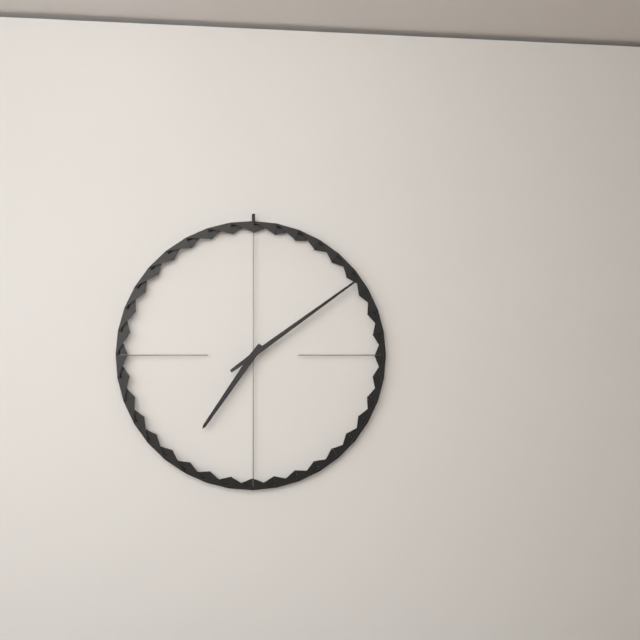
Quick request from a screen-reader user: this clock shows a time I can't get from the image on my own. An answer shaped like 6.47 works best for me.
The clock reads 7.09
